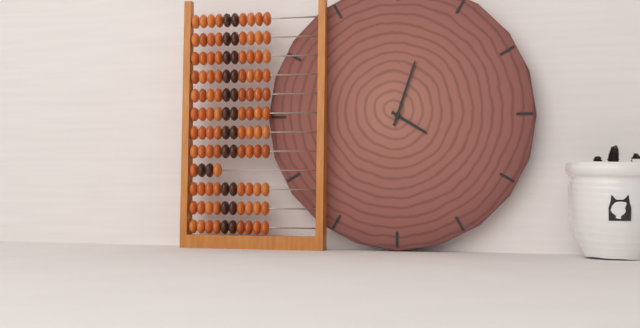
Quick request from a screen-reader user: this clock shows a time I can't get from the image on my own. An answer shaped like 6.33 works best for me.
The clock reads 4.03
